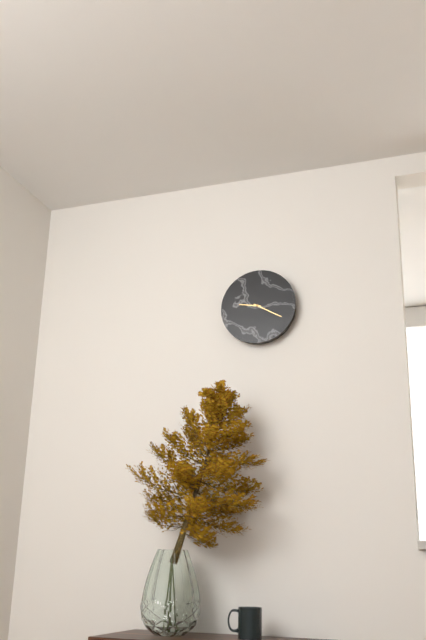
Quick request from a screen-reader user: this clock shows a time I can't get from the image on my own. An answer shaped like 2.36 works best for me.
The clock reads 9.20
